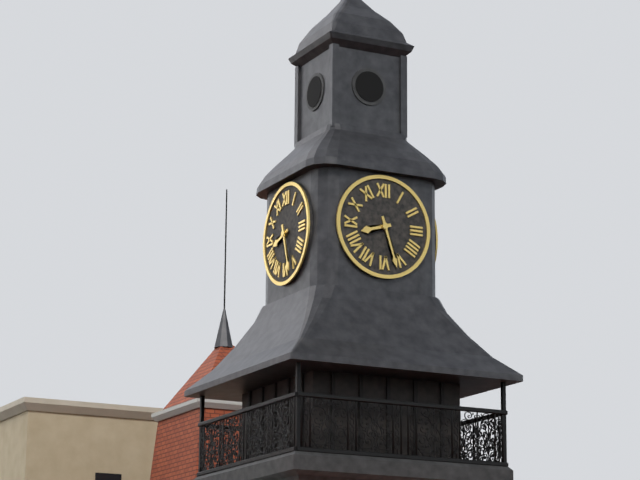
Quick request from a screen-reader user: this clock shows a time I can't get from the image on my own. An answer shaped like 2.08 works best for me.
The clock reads 8.27
